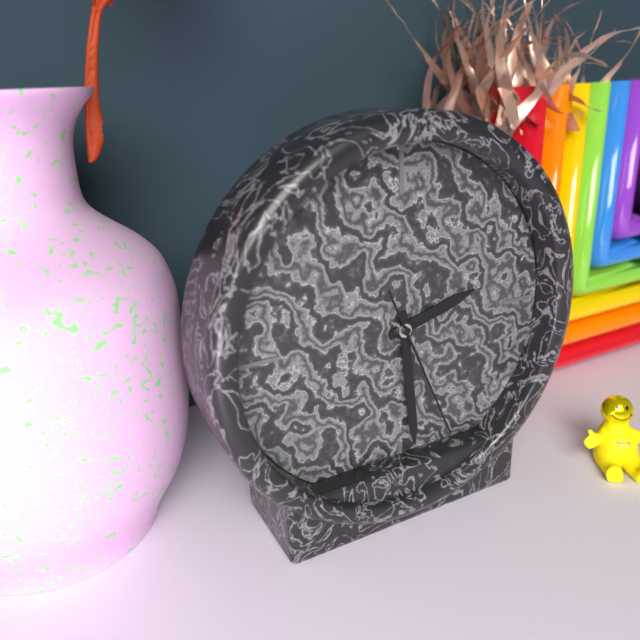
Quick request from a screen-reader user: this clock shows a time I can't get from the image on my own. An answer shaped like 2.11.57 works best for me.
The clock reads 2.29.26
